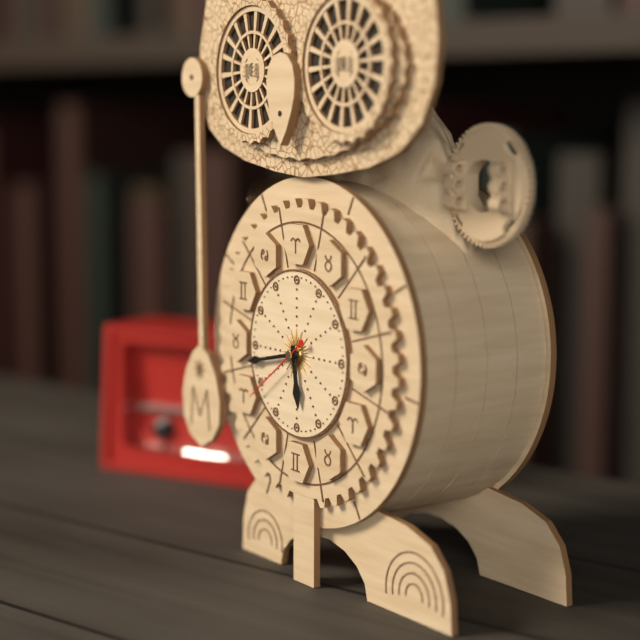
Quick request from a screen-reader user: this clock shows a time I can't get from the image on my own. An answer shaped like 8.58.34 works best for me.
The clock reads 5.43.39
